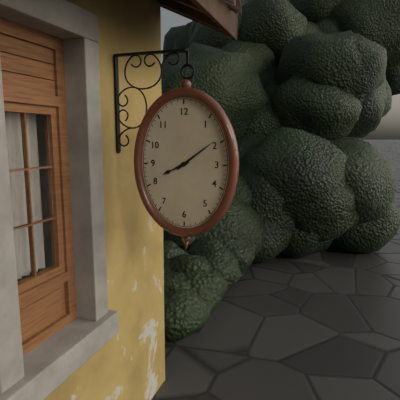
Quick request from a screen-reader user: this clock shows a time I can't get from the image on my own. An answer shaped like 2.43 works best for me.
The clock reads 8.09
